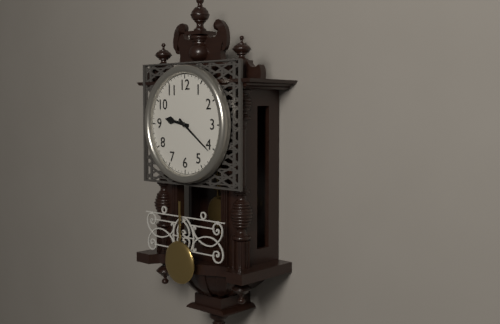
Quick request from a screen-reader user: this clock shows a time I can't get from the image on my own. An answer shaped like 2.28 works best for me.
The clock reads 9.21
